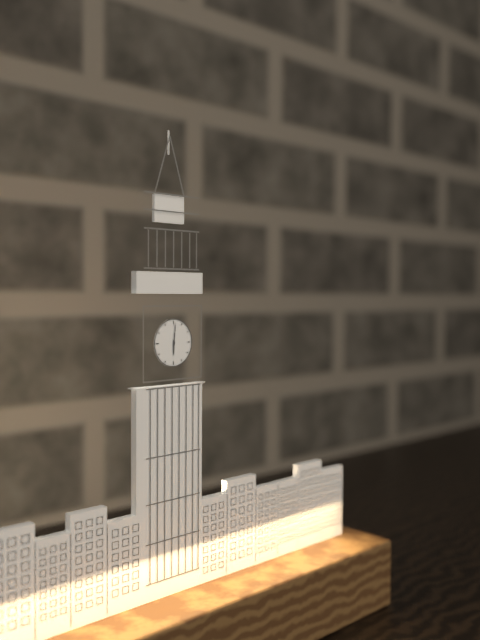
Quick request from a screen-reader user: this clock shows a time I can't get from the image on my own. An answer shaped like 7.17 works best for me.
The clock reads 6.01
